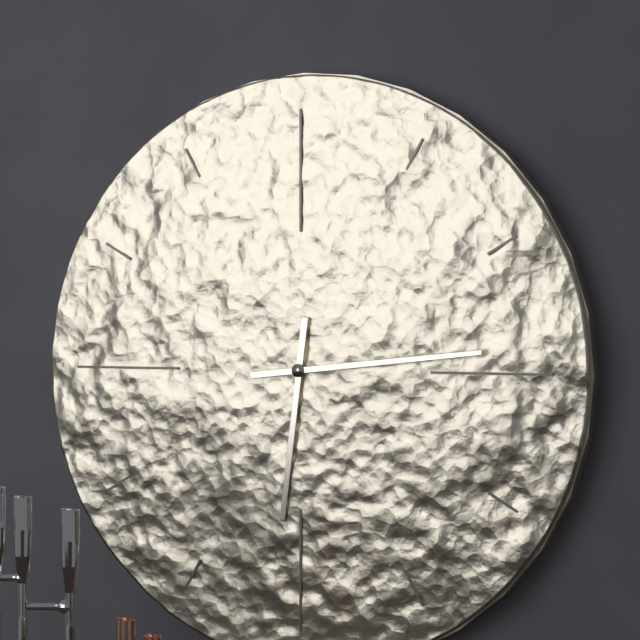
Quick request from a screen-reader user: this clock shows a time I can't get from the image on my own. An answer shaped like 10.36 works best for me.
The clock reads 6.14
